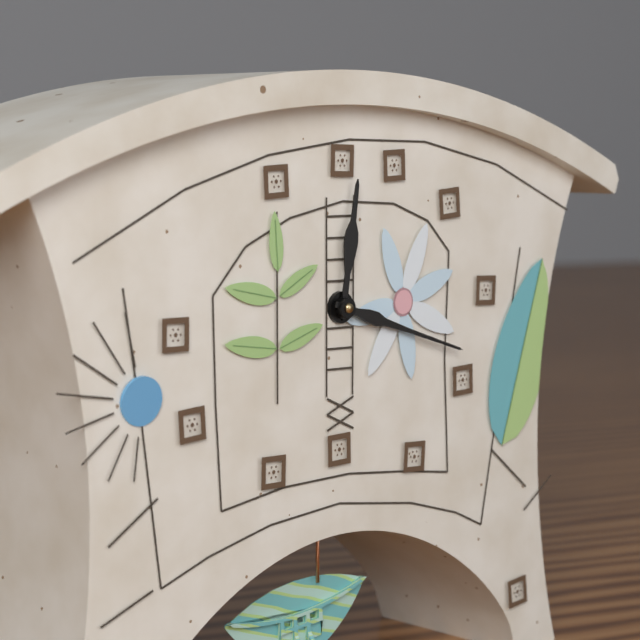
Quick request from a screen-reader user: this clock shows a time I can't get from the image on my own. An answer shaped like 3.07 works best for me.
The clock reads 12.18
